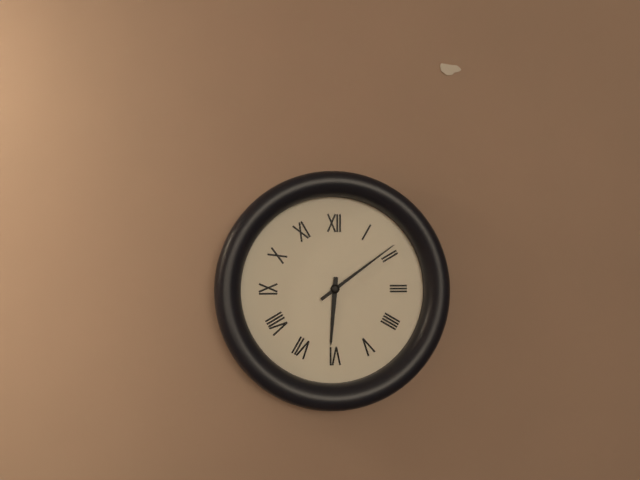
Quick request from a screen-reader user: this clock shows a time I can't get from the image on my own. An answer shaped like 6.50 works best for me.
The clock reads 6.09
